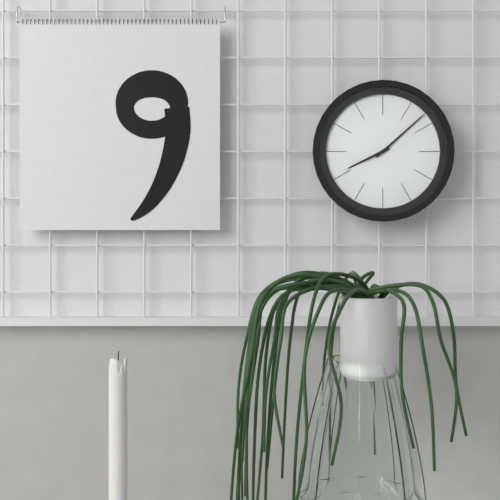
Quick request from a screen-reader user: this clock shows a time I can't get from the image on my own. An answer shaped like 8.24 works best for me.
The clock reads 8.08
